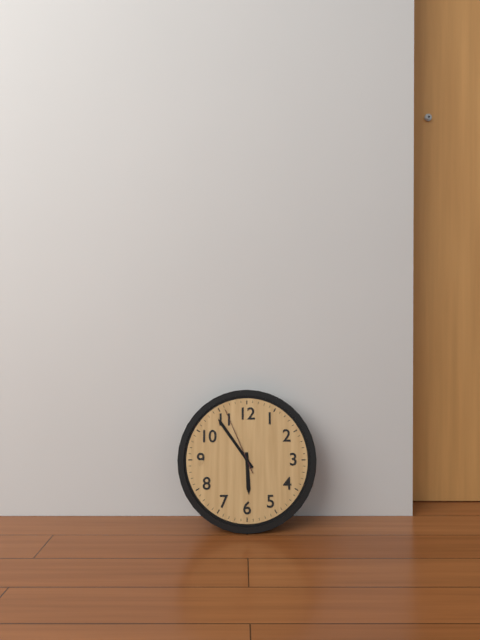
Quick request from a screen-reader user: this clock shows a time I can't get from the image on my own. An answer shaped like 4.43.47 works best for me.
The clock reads 5.54.56
